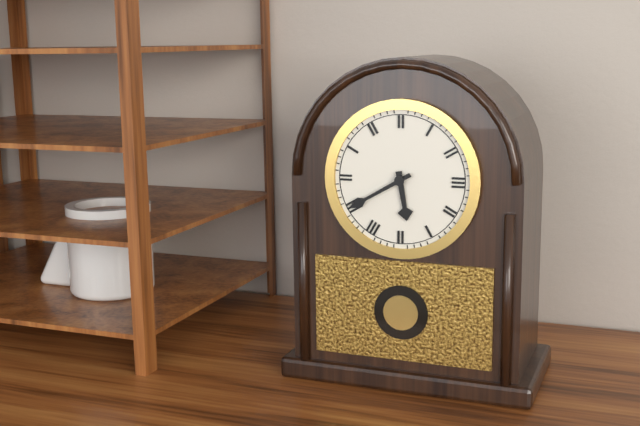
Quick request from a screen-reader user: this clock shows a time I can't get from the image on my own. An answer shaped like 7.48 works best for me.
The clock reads 5.40
